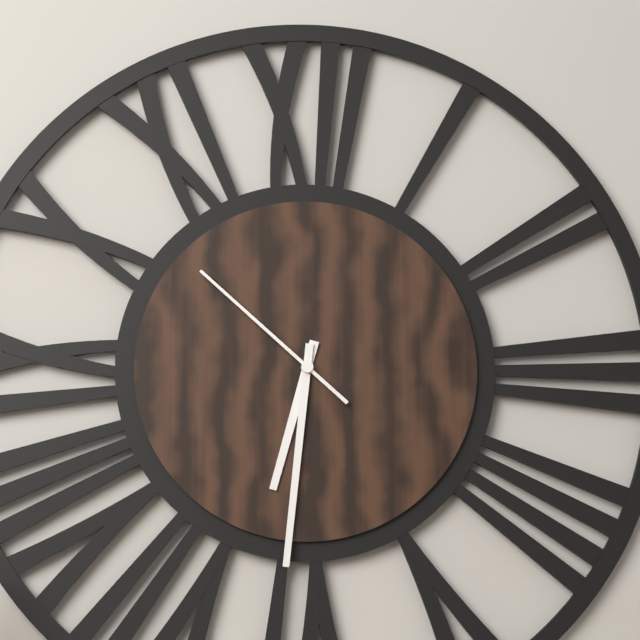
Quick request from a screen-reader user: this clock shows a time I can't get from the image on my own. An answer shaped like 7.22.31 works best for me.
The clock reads 6.31.52
